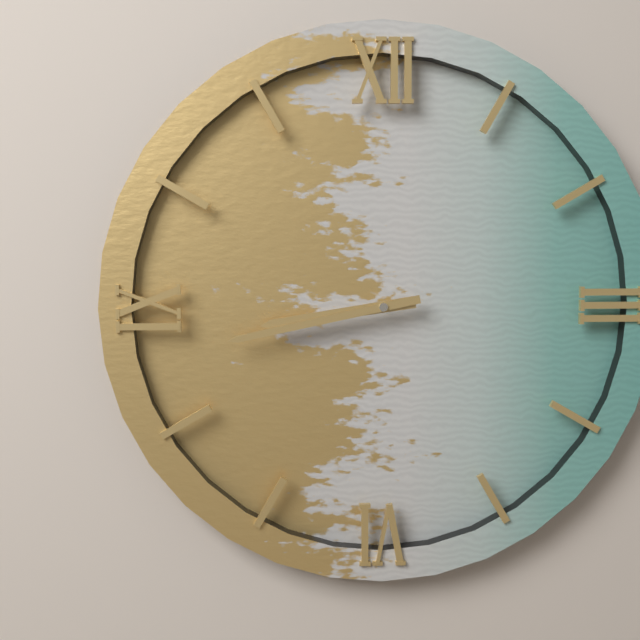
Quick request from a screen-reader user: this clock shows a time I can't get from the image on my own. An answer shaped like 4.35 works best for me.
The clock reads 8.43
